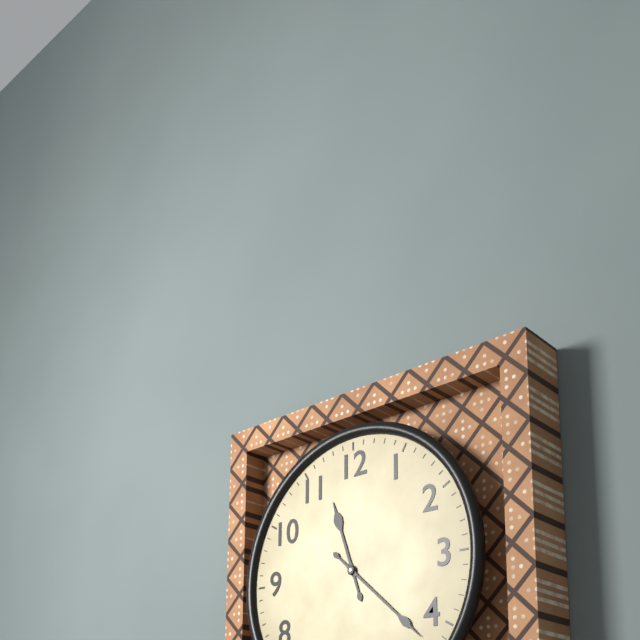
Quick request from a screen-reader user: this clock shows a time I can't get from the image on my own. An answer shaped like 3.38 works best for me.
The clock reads 11.22
